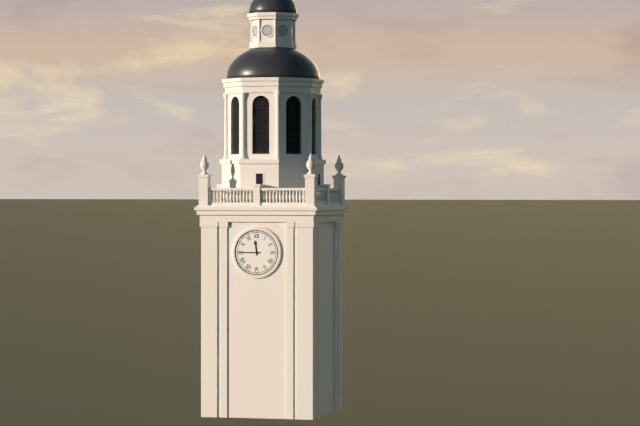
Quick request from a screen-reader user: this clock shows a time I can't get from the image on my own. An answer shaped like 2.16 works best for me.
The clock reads 11.45
